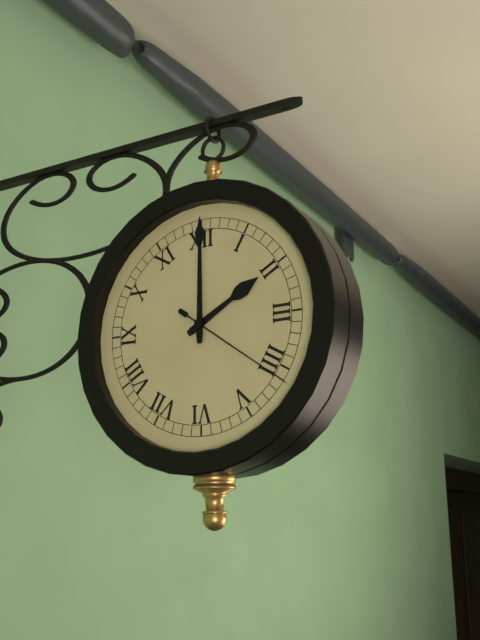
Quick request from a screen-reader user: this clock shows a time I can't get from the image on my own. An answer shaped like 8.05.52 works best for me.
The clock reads 2.00.21
